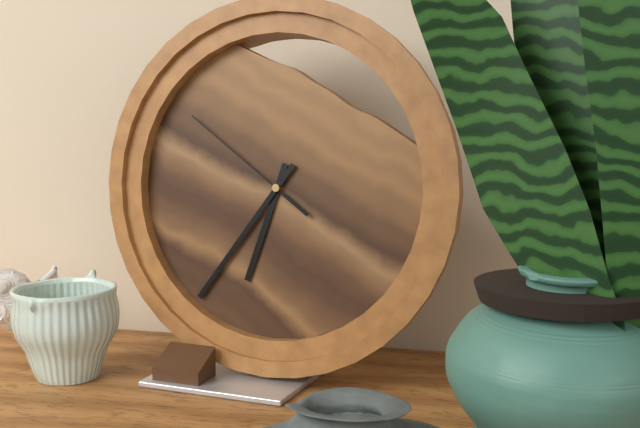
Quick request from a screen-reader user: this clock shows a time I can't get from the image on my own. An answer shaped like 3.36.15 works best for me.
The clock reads 6.36.51
